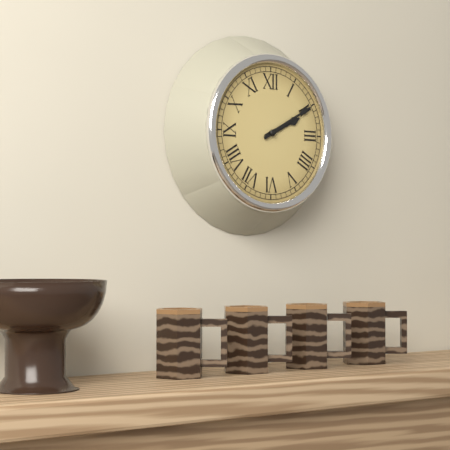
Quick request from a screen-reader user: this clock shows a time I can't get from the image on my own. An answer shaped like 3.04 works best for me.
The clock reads 2.10
